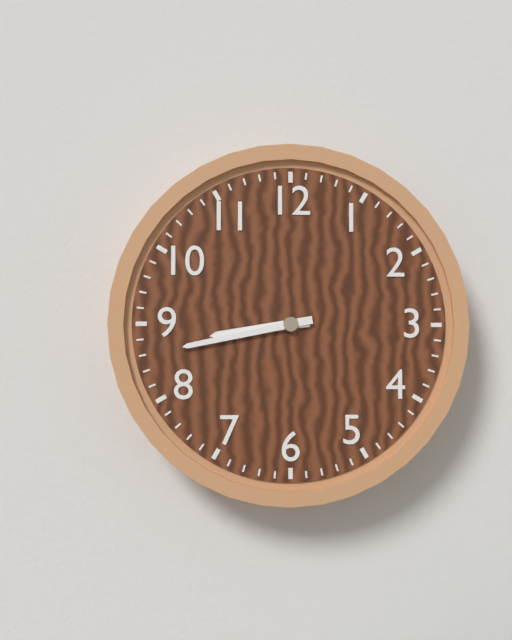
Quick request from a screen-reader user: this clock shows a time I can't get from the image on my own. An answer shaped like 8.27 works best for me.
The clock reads 8.43
